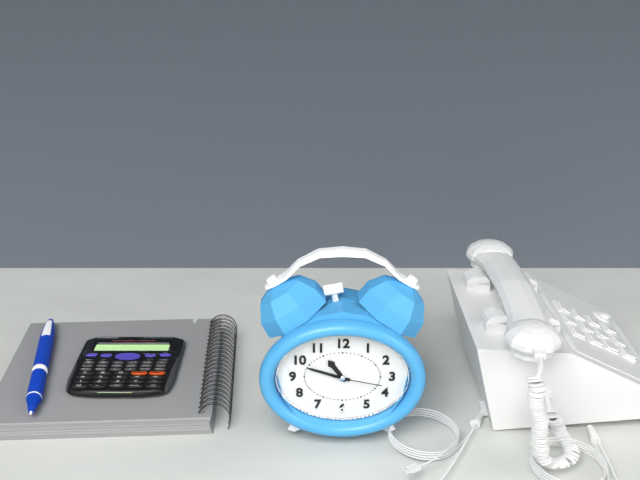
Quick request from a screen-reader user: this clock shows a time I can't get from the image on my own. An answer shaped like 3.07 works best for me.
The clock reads 10.48
